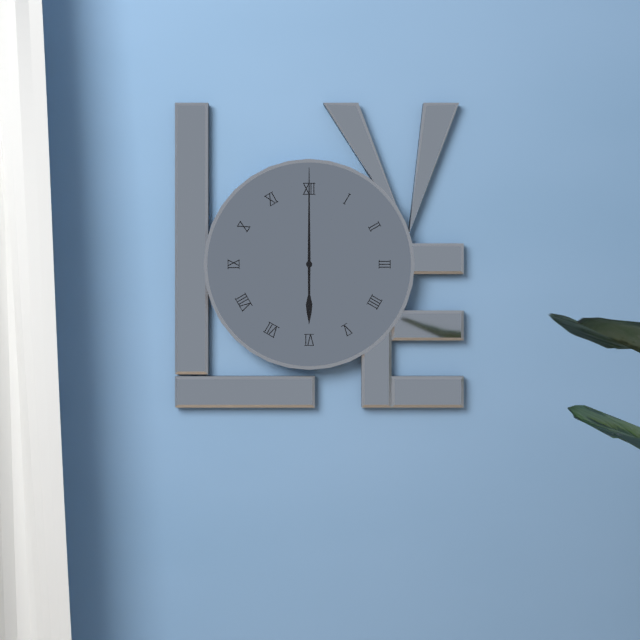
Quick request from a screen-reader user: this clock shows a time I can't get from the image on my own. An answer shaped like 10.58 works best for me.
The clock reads 6.00
